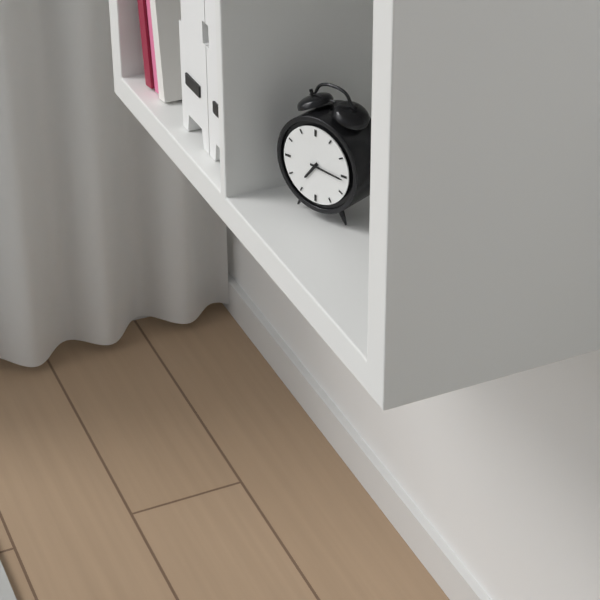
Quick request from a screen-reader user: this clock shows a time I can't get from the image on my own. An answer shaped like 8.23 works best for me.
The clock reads 7.16
